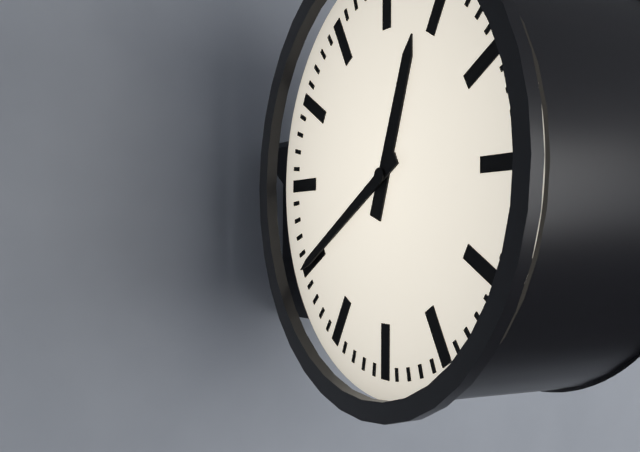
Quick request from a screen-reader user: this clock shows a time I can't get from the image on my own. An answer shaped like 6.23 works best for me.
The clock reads 12.40
